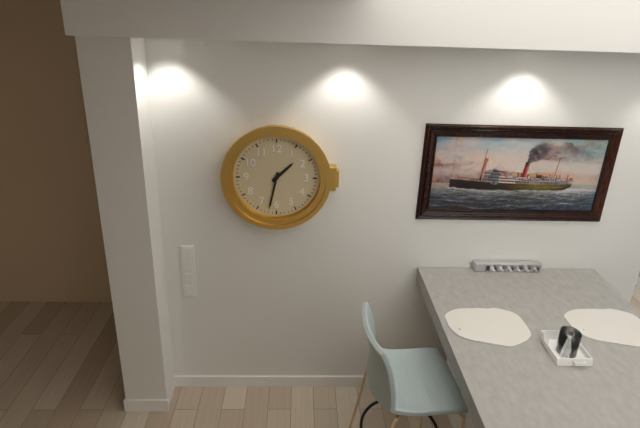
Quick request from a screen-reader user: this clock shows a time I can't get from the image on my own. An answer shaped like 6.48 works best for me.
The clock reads 1.32
